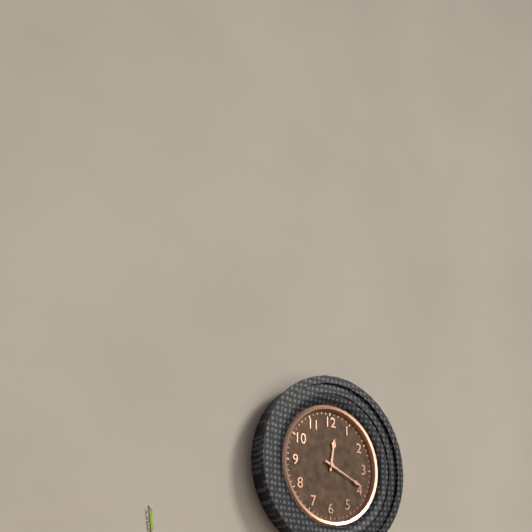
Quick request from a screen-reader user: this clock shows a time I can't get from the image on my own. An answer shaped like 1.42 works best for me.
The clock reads 12.19
